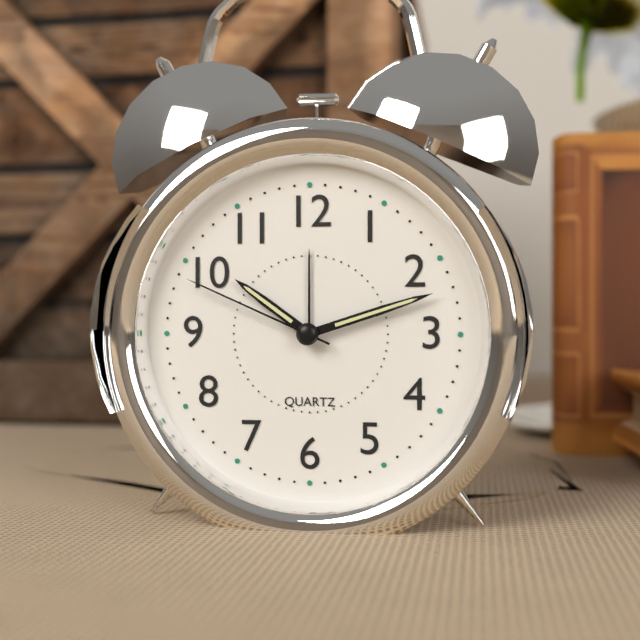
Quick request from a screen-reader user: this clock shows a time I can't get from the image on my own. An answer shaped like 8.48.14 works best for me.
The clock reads 10.12.49
